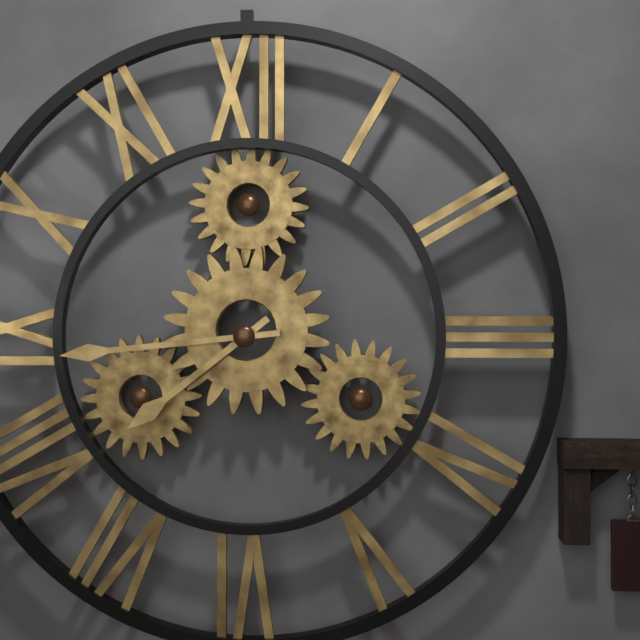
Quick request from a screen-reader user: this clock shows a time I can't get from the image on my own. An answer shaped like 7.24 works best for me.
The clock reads 7.44
